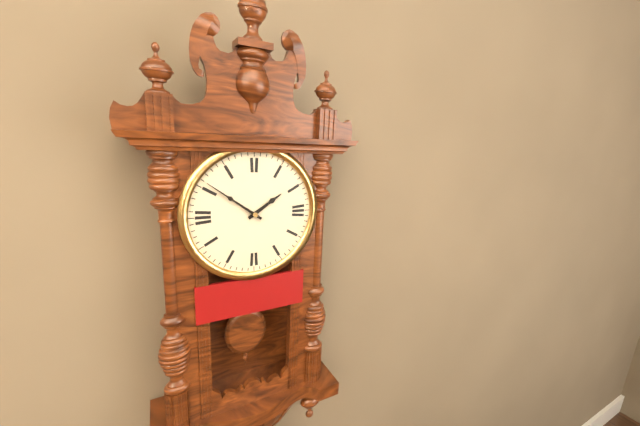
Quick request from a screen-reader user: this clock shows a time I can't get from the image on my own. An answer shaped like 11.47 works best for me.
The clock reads 1.51
